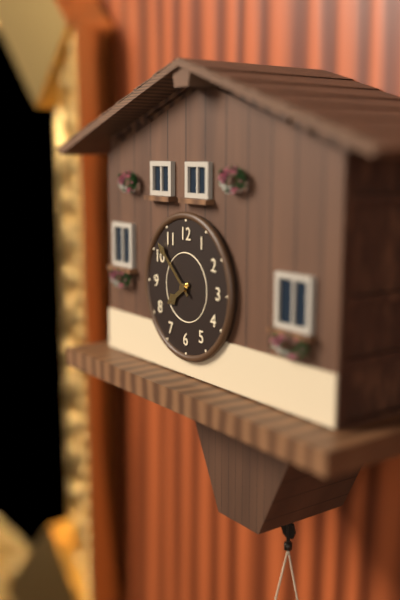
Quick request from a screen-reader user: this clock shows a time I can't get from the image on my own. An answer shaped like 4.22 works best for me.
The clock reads 7.52
